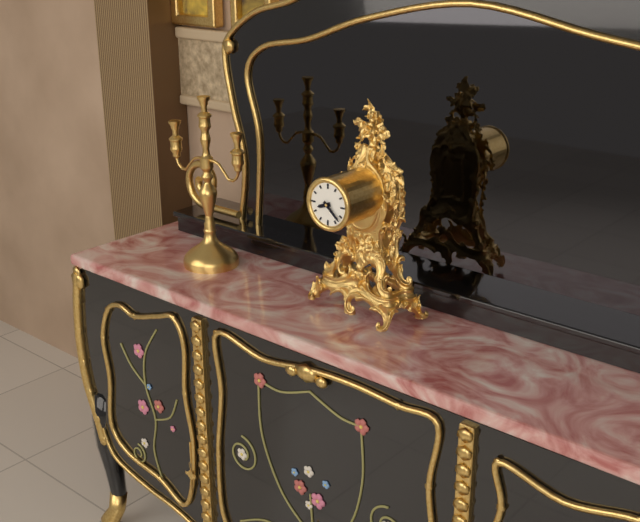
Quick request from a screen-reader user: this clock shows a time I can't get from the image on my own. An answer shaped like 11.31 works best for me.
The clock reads 8.22
